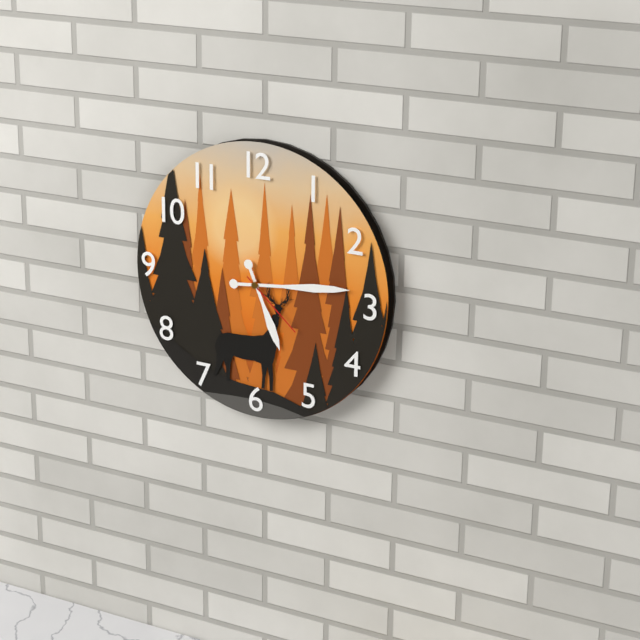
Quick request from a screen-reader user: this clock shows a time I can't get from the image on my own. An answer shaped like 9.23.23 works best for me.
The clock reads 5.14.22
